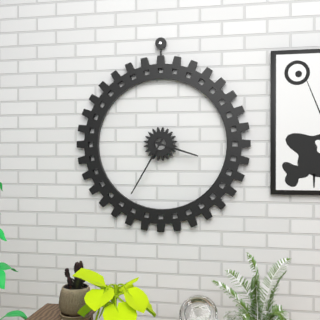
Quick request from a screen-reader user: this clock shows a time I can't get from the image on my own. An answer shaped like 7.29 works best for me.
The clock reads 3.35
